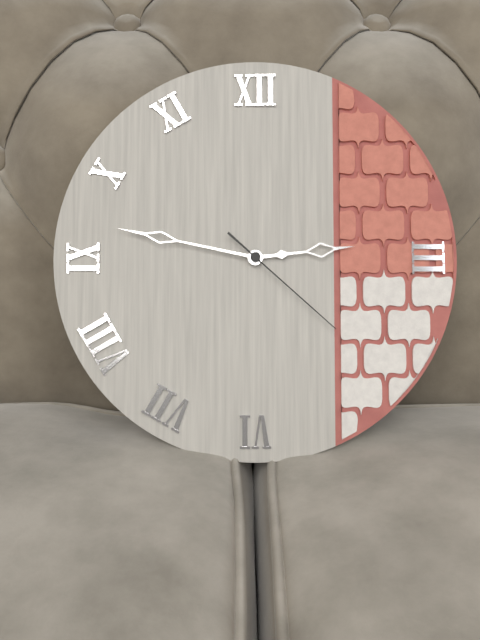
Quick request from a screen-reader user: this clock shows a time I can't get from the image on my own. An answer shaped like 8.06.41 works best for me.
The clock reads 2.47.22
